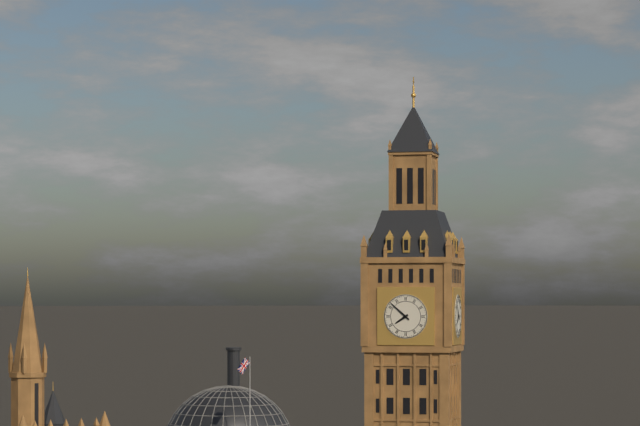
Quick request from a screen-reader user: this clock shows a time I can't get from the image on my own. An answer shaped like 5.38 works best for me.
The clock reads 7.52
